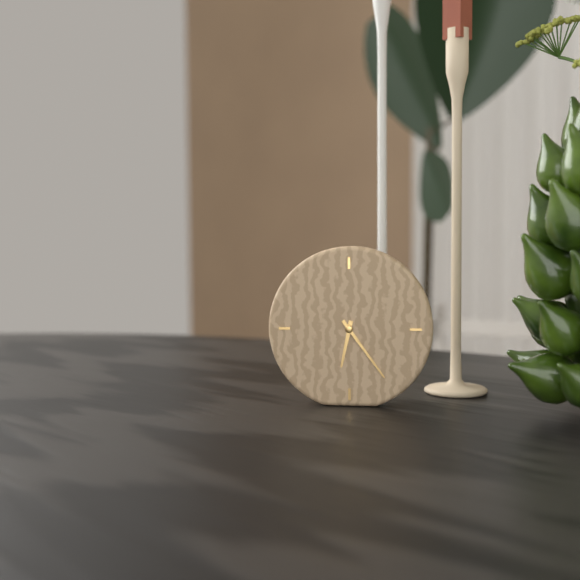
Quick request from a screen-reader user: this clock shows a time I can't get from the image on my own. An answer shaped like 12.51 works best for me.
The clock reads 6.24
